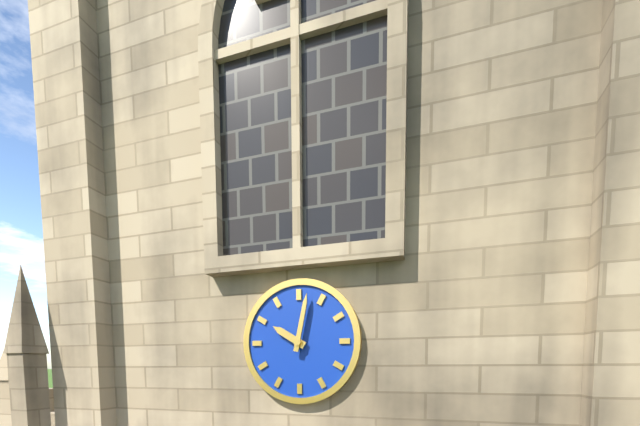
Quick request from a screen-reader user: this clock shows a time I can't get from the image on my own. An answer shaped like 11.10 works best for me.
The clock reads 10.02
